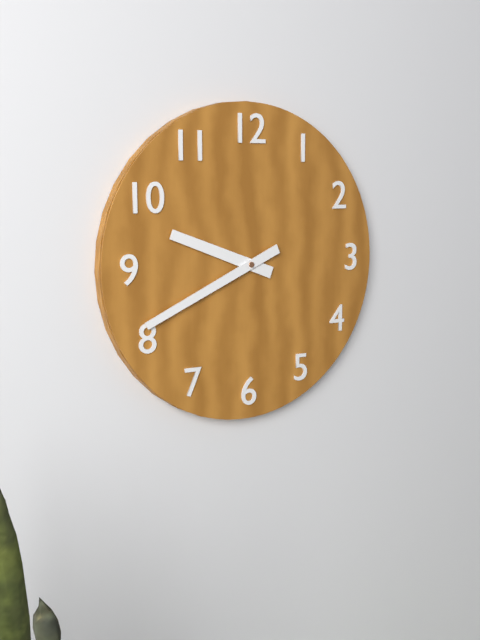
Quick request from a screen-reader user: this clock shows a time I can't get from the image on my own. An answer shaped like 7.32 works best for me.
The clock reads 9.41
